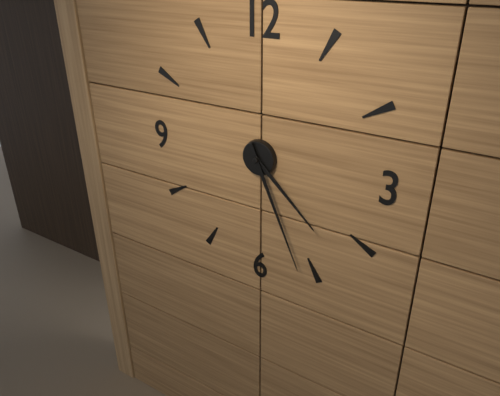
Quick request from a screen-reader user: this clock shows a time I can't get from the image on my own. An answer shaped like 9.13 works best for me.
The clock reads 4.26
